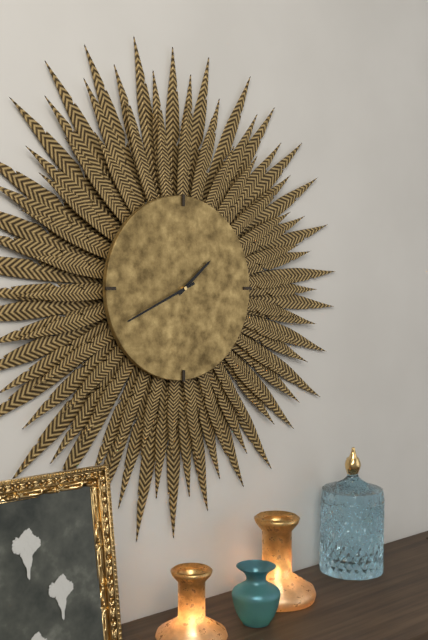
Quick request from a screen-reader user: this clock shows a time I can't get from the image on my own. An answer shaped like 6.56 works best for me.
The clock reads 1.41
